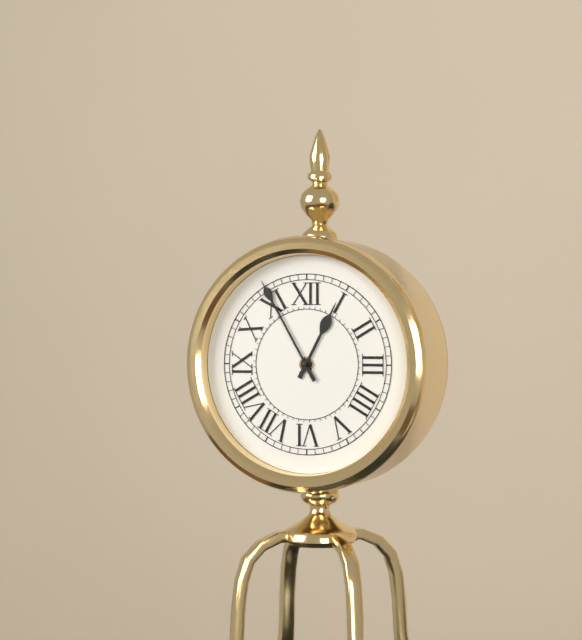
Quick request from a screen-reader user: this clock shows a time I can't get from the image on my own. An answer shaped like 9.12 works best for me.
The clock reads 12.55
